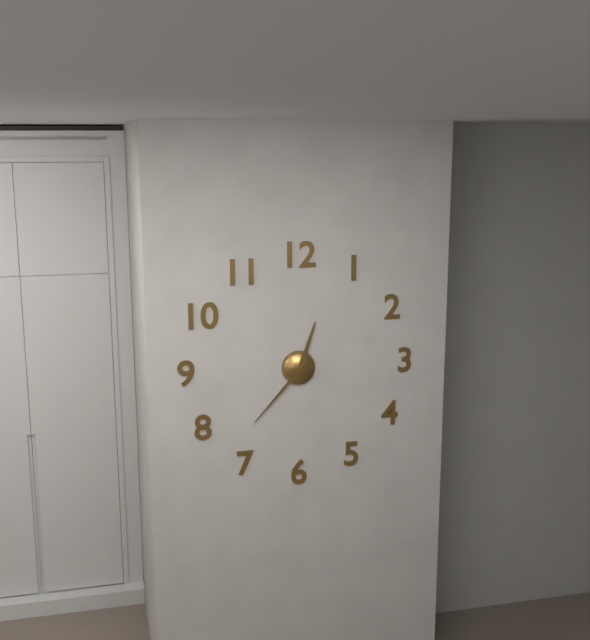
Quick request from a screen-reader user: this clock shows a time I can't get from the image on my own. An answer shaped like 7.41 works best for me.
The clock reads 12.37
